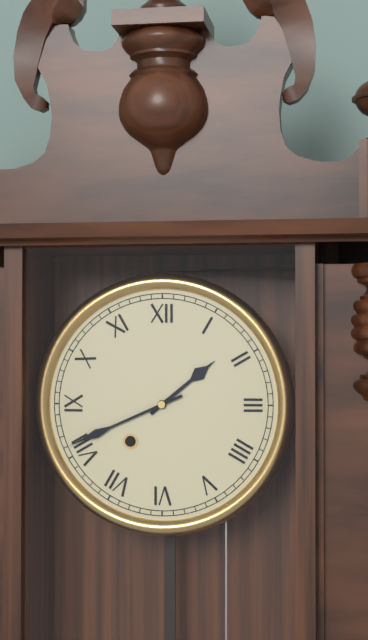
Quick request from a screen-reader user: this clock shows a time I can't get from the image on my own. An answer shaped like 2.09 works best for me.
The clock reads 1.41
